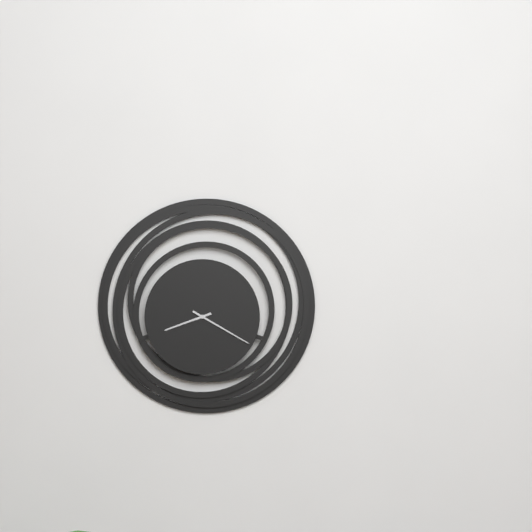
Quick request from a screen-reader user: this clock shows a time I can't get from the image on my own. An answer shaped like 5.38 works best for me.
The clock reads 8.20
